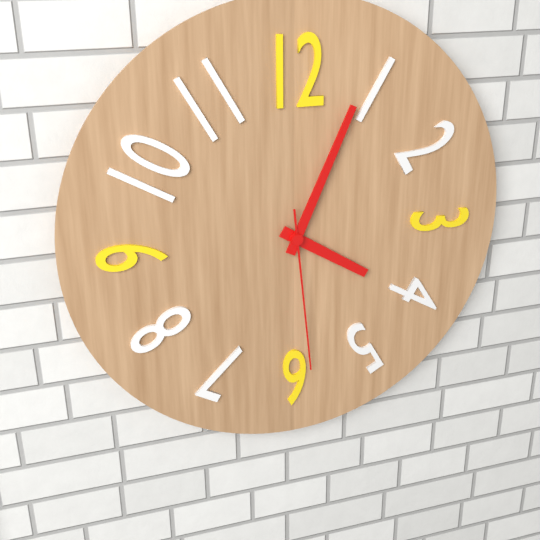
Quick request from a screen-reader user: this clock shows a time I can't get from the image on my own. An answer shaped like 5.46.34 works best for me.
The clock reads 4.04.29
